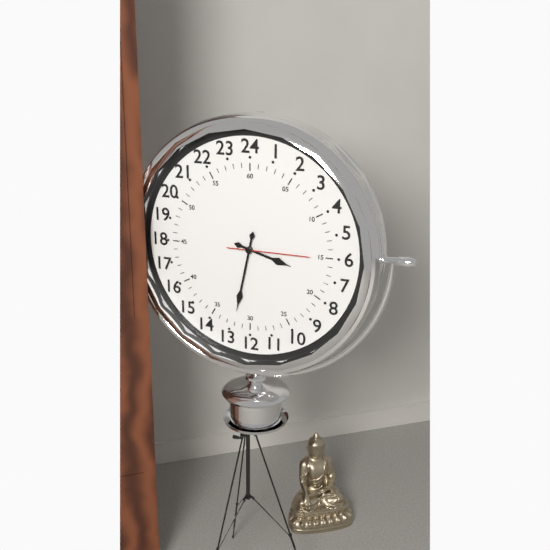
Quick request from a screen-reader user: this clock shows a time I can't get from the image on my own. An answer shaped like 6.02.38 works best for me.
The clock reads 3.32.15
